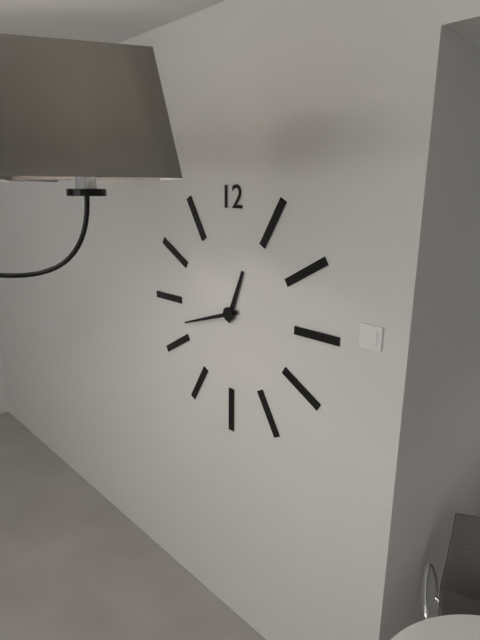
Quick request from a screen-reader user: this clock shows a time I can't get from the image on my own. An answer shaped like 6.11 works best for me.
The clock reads 12.42
